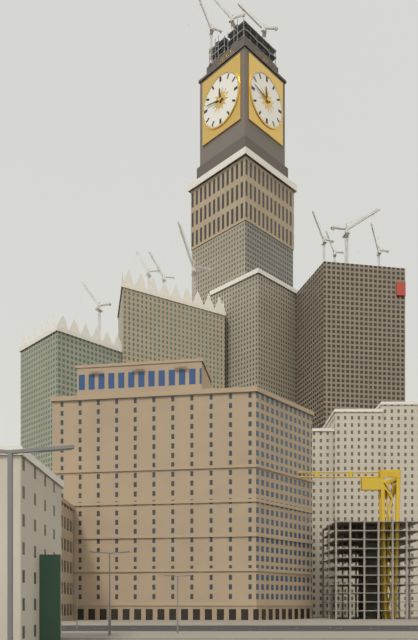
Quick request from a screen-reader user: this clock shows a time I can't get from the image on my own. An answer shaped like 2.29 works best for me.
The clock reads 11.47
